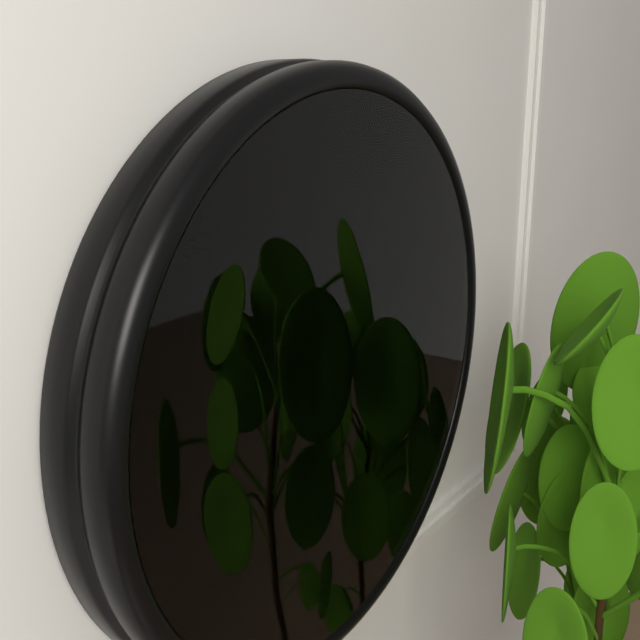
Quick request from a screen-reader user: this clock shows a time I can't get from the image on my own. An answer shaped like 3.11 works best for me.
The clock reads 4.25
